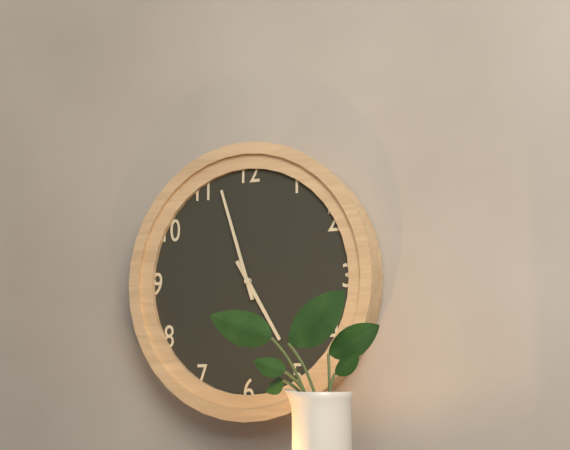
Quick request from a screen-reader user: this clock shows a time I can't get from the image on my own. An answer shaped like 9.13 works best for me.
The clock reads 4.57
